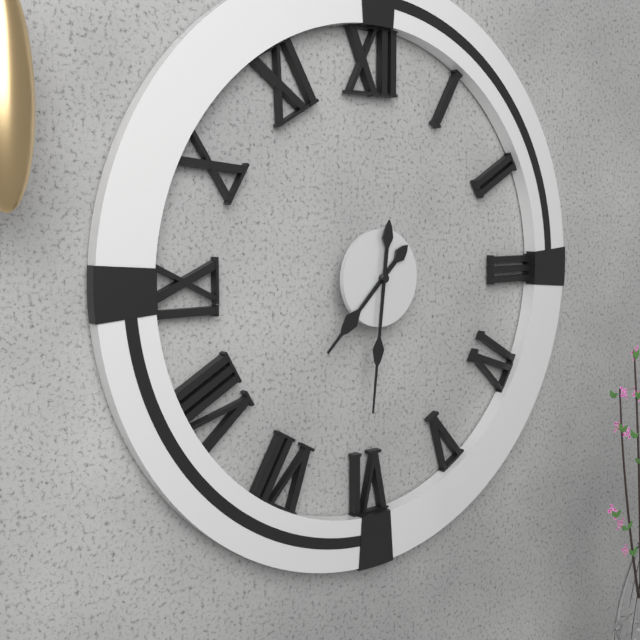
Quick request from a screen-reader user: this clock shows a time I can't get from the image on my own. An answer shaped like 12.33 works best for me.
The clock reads 7.31
